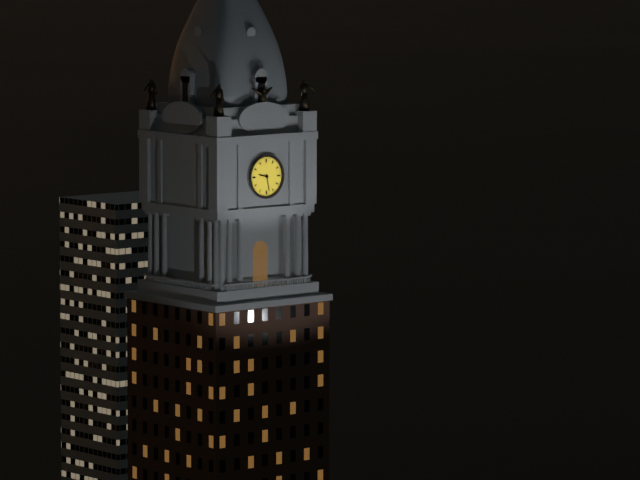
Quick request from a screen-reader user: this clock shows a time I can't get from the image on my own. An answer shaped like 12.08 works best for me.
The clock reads 9.28
